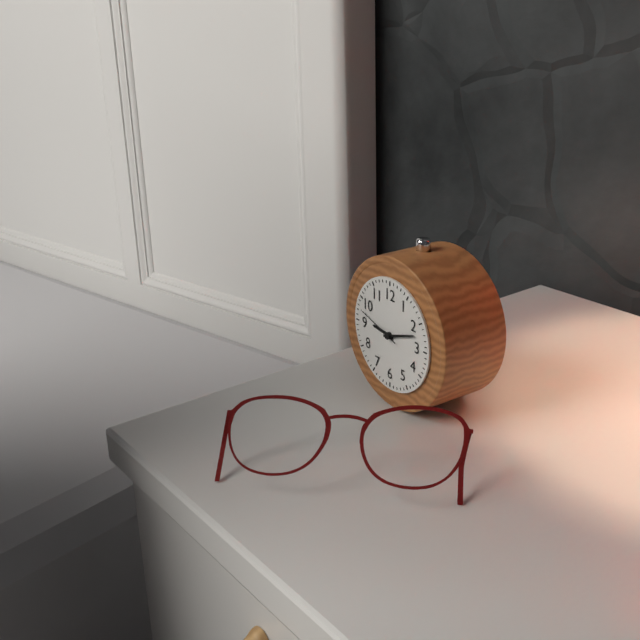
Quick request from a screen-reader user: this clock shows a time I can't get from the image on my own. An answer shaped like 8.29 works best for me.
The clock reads 9.12
